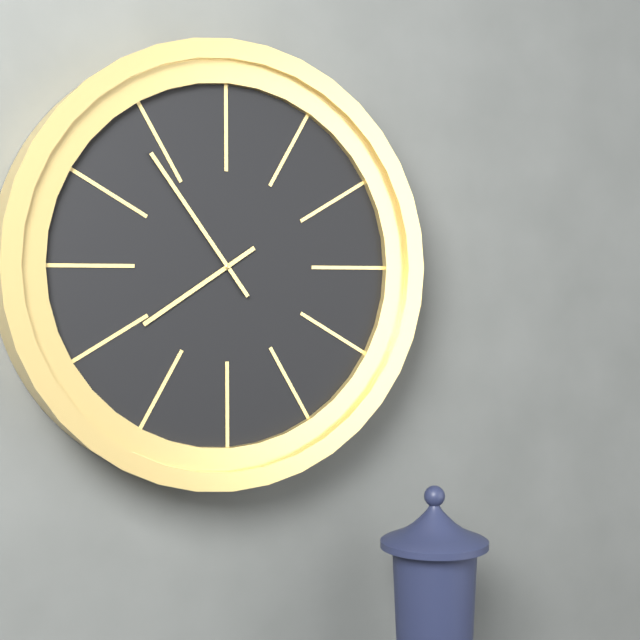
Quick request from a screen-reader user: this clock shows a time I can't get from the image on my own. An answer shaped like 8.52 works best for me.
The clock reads 7.54
